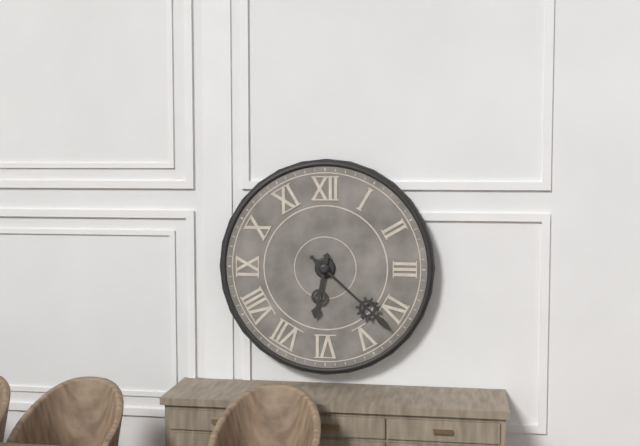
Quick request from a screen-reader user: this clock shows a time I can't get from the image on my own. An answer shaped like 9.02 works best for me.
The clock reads 6.22
